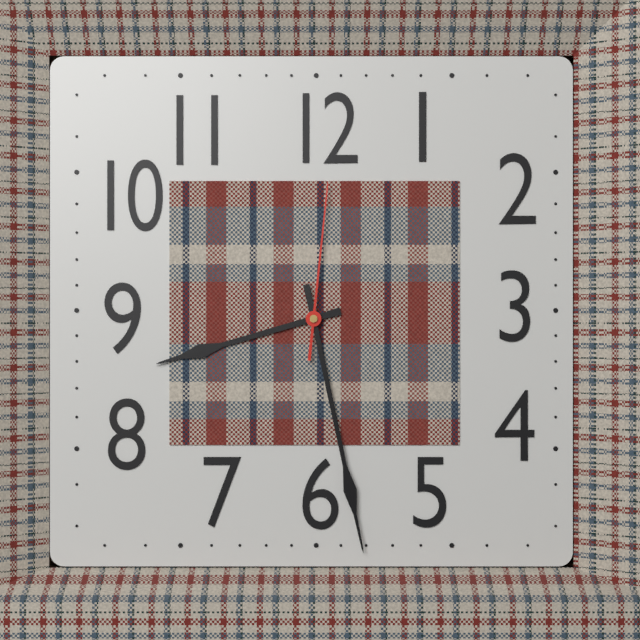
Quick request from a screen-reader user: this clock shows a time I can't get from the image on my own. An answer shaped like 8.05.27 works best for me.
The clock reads 8.28.01
